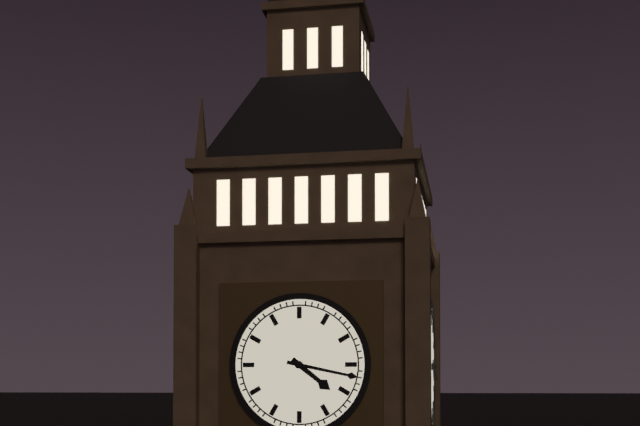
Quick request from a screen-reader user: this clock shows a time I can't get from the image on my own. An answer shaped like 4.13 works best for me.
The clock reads 4.17
